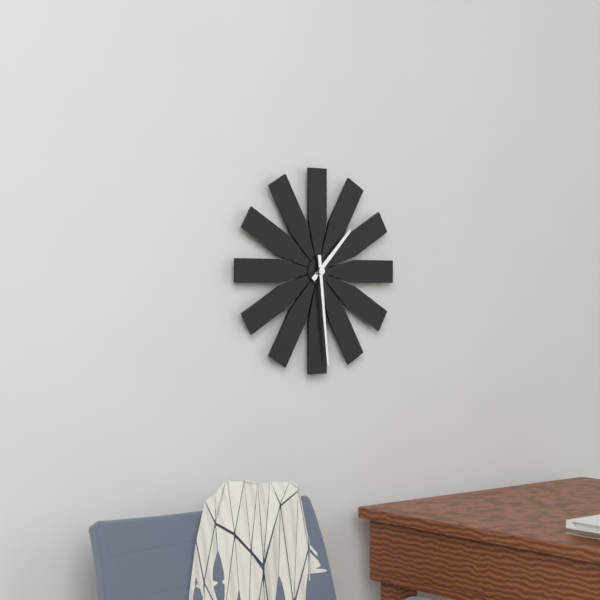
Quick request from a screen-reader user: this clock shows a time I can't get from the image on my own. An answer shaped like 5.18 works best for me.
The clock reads 1.29
